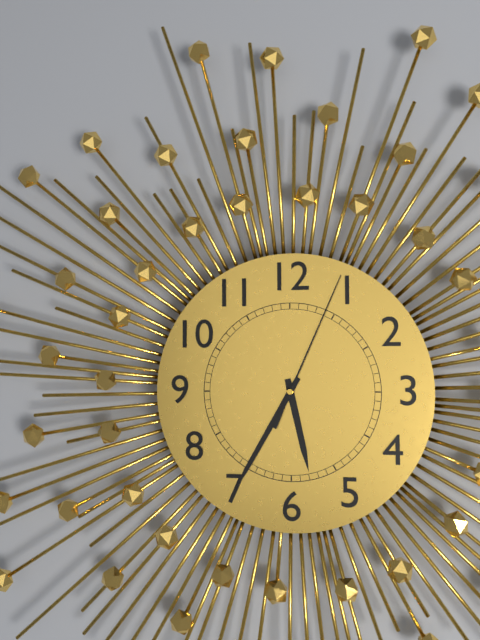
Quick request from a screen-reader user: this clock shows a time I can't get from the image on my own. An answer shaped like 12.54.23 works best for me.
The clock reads 5.35.04
